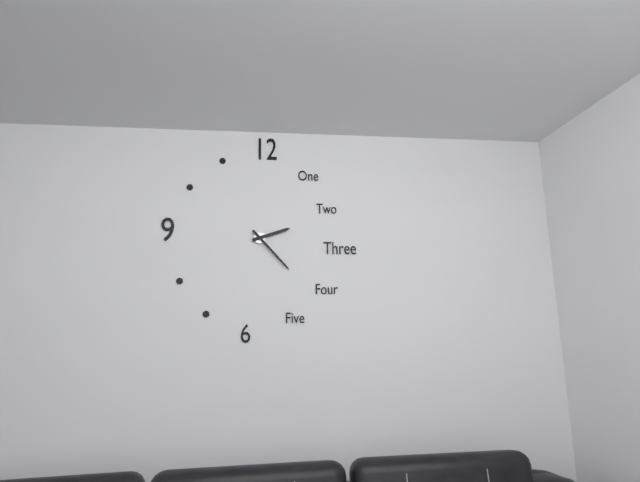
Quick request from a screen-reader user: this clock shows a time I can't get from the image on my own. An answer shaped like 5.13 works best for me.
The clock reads 2.23
